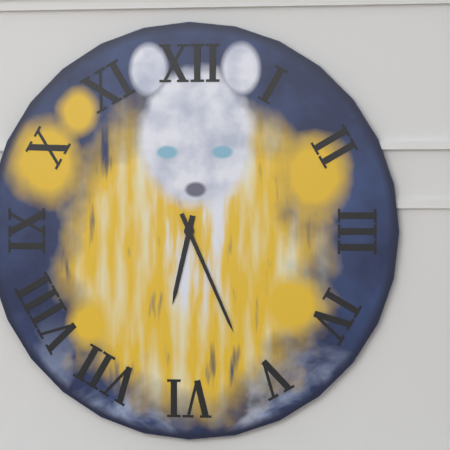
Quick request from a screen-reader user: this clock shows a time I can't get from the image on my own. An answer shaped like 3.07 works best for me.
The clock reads 6.26
